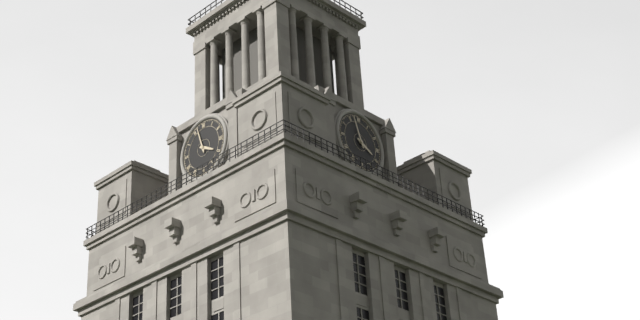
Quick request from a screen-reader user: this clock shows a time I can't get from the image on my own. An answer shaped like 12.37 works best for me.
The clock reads 3.57
